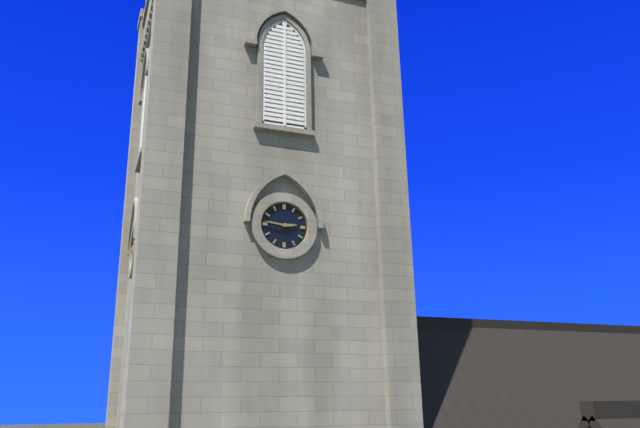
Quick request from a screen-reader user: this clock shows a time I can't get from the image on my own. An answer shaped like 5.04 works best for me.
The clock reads 2.46
